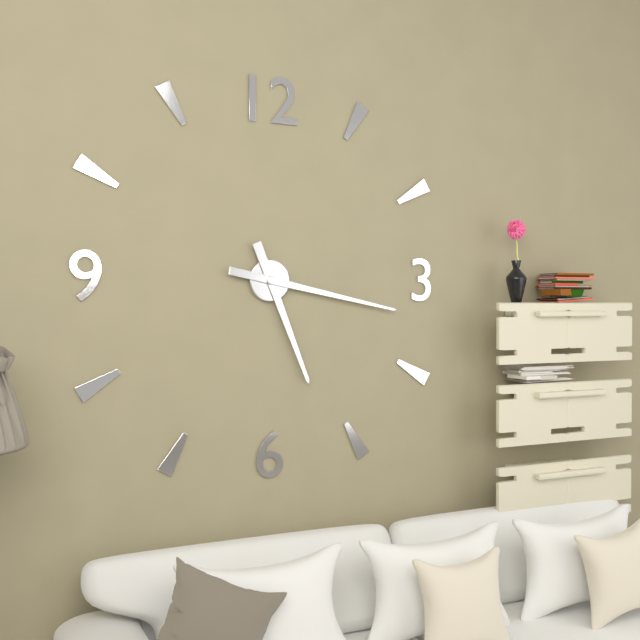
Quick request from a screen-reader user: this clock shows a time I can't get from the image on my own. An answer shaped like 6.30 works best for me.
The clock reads 5.17
